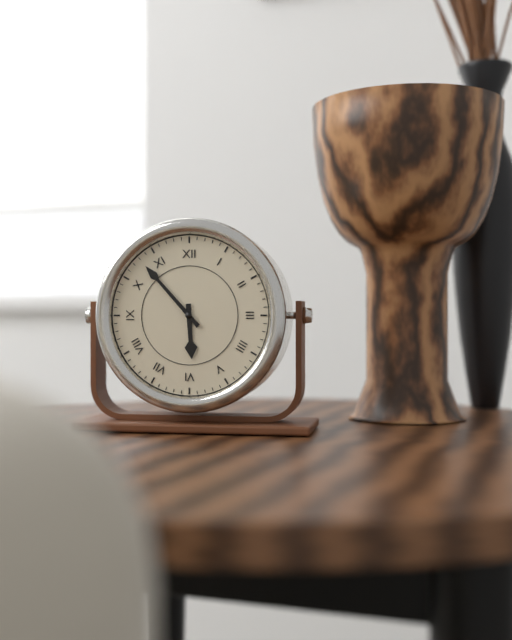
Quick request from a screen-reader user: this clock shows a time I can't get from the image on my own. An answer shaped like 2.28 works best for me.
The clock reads 5.53
